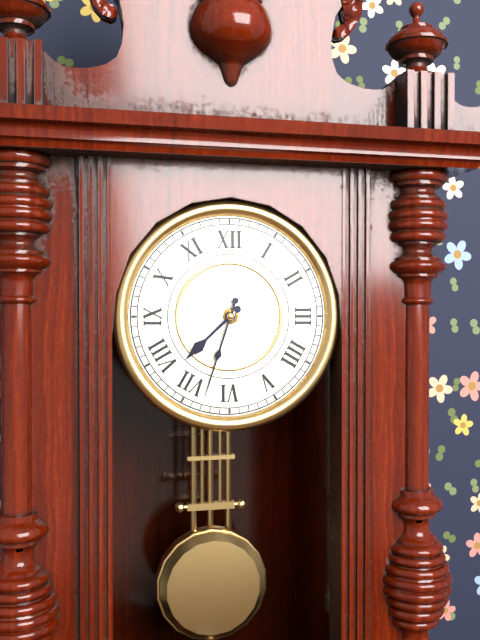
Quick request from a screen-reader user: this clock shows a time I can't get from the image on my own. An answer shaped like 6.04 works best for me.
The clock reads 7.33
